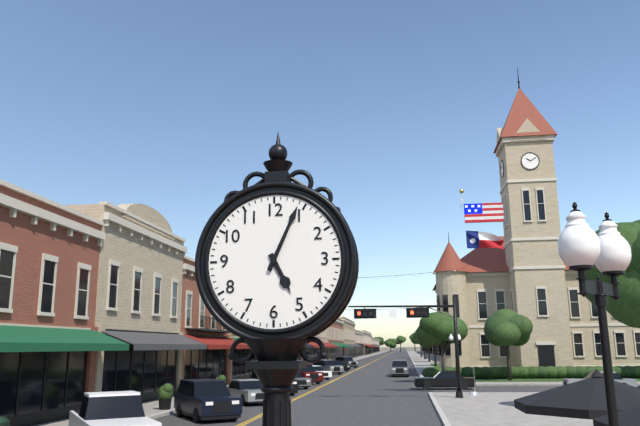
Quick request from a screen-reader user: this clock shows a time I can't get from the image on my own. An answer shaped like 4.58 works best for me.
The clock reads 5.04
